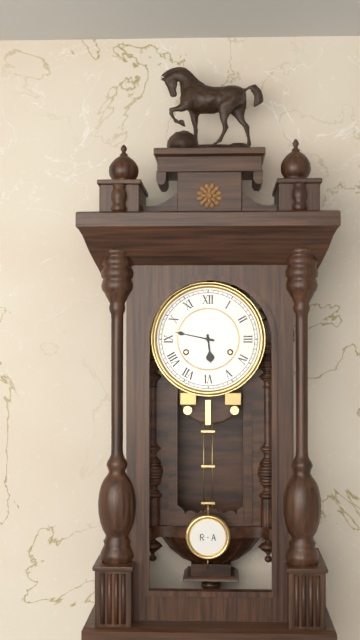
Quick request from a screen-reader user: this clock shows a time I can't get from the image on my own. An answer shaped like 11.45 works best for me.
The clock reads 5.47
